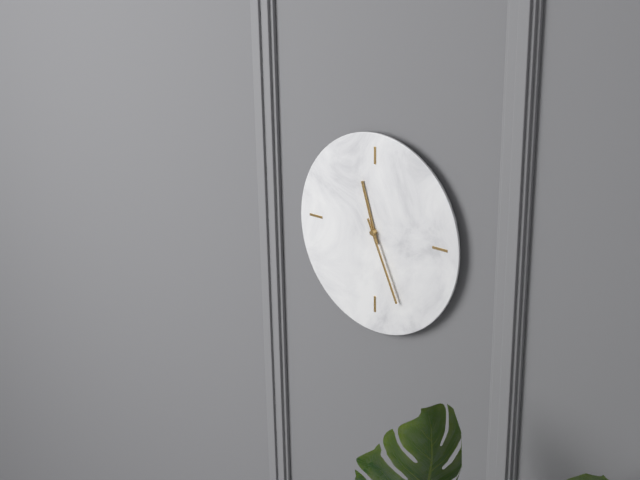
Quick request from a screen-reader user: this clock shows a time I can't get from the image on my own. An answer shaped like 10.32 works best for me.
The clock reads 11.26
